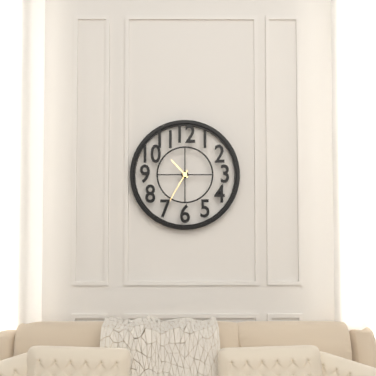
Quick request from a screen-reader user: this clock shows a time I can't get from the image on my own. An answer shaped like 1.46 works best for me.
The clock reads 10.35
